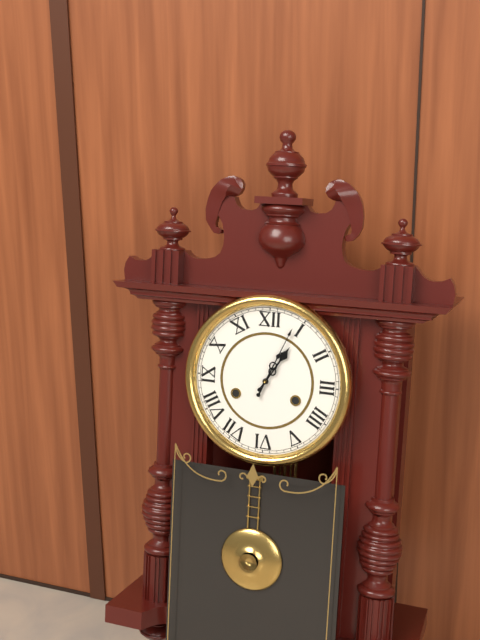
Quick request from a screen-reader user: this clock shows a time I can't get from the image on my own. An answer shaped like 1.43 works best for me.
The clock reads 1.04
